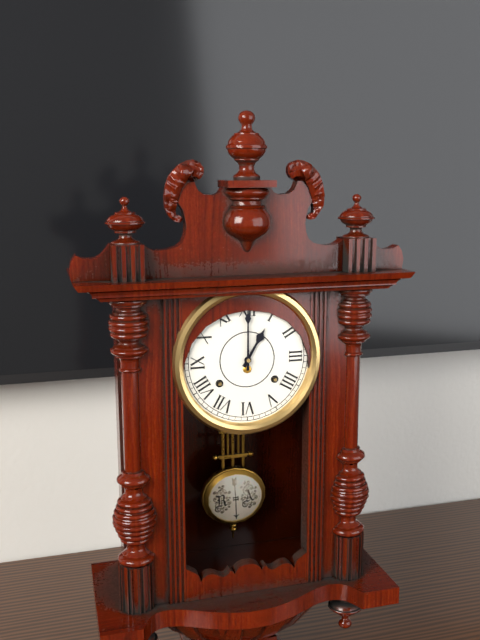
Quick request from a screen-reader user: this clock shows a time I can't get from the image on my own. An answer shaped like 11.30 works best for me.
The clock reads 1.00
